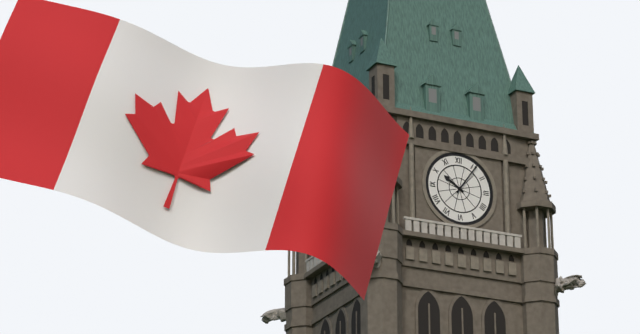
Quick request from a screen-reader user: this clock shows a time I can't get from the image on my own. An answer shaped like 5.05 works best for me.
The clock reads 10.06
